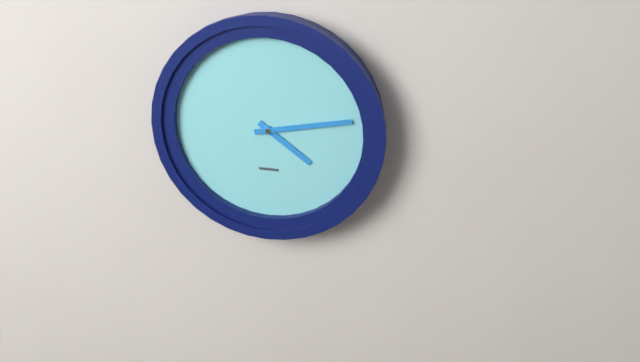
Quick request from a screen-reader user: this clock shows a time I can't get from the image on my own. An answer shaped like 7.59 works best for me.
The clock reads 4.13
